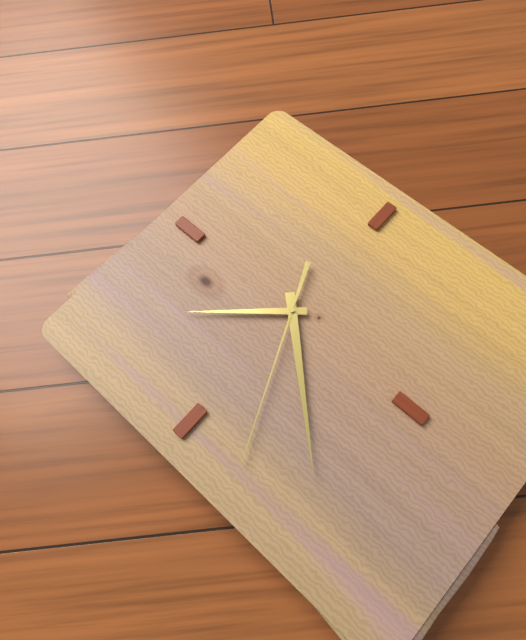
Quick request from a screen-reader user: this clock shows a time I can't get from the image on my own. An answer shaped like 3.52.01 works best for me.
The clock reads 10.37.41
